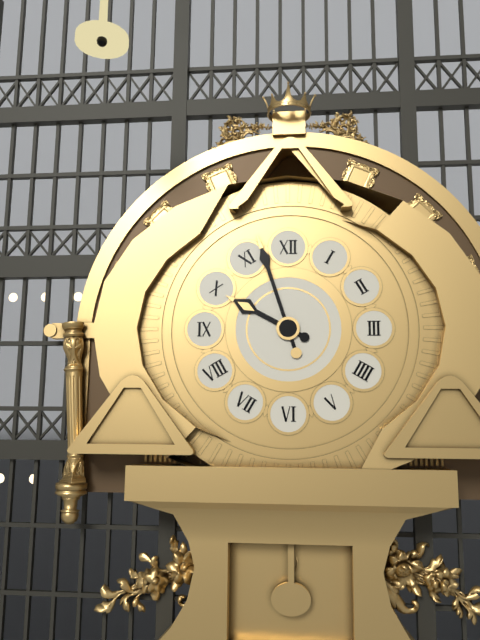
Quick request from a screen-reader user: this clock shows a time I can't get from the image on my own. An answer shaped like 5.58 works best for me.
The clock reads 9.57
